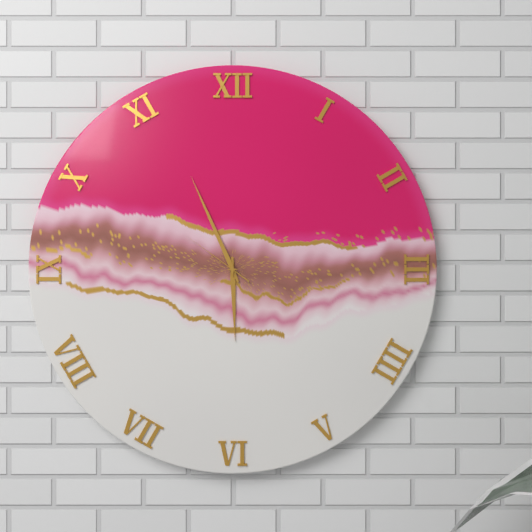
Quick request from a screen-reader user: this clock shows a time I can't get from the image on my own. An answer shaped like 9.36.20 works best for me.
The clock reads 5.56.51
